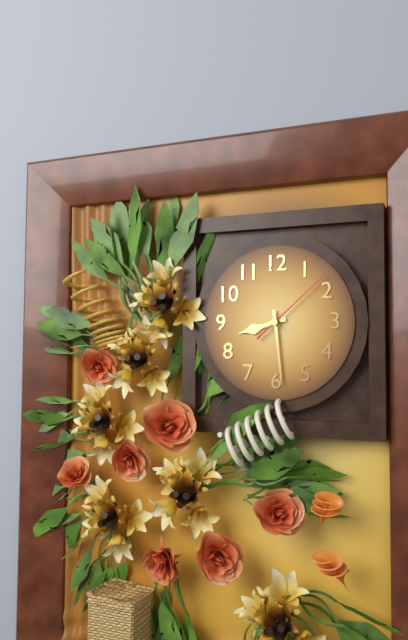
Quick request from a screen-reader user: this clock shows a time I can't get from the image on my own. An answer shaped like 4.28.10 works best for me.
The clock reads 8.29.08
